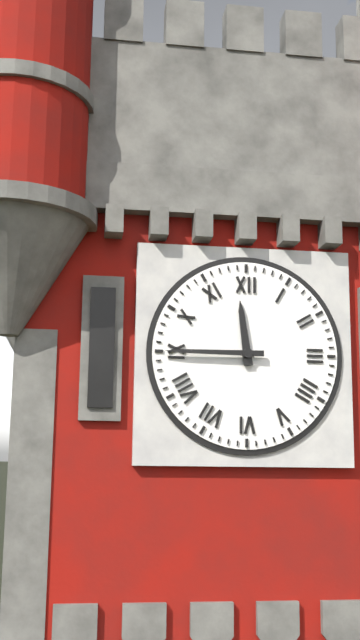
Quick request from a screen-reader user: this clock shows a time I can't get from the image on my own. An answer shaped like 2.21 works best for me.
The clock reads 11.45
